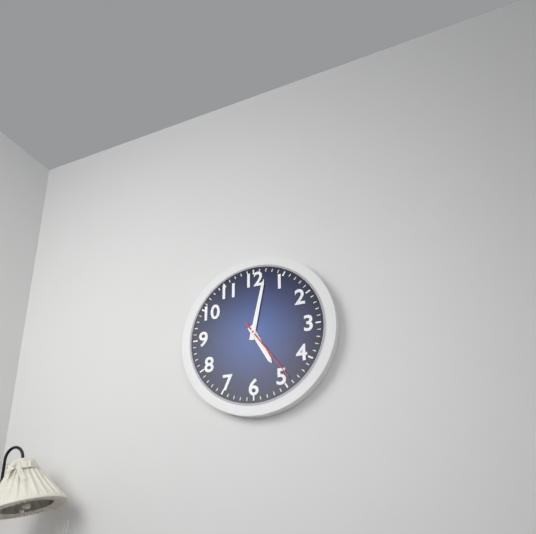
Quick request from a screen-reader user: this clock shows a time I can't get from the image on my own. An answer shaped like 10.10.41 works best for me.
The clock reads 5.02.24
